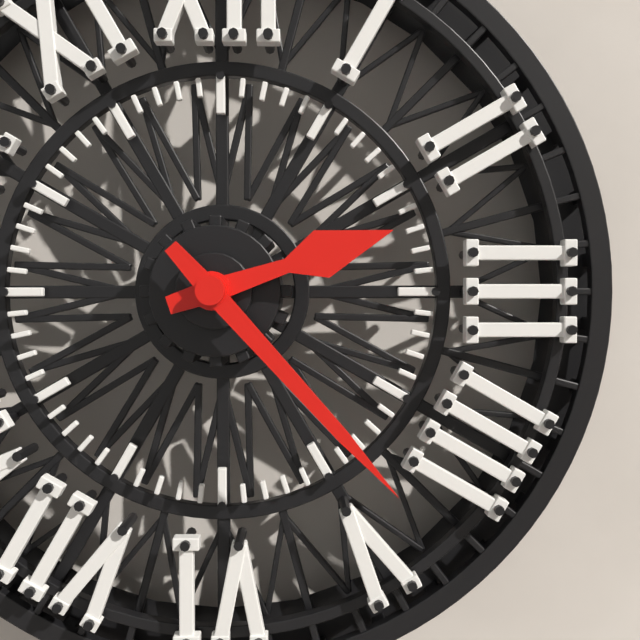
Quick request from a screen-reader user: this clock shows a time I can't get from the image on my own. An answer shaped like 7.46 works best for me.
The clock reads 2.23
